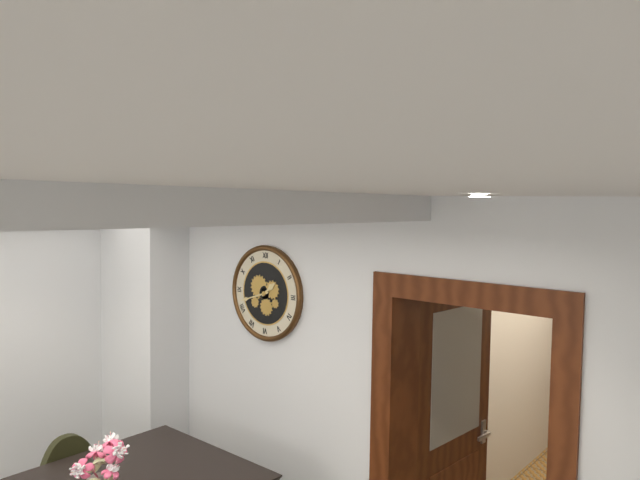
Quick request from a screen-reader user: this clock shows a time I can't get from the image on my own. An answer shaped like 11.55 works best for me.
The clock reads 1.42
